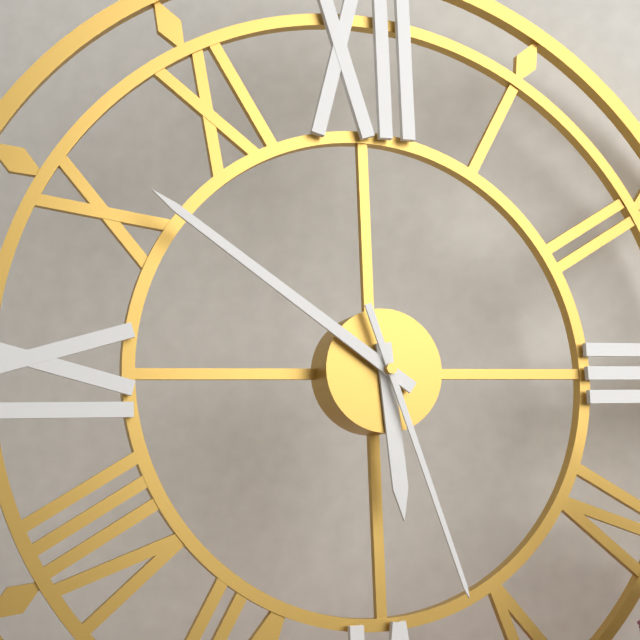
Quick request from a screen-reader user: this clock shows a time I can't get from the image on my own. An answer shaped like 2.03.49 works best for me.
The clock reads 5.51.27
